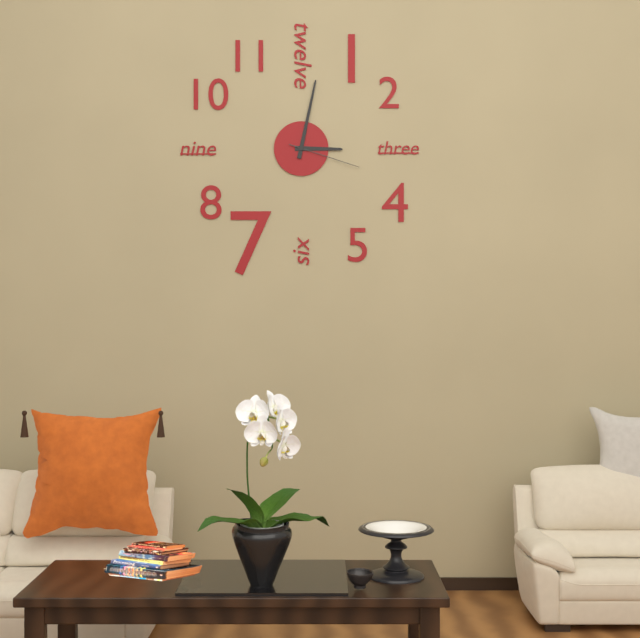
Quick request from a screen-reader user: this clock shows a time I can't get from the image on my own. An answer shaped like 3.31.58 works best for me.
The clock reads 3.02.18
